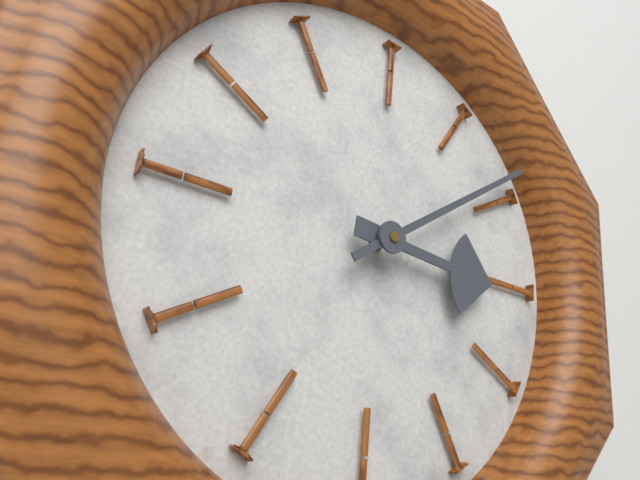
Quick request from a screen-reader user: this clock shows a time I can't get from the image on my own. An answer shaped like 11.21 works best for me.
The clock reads 3.09
